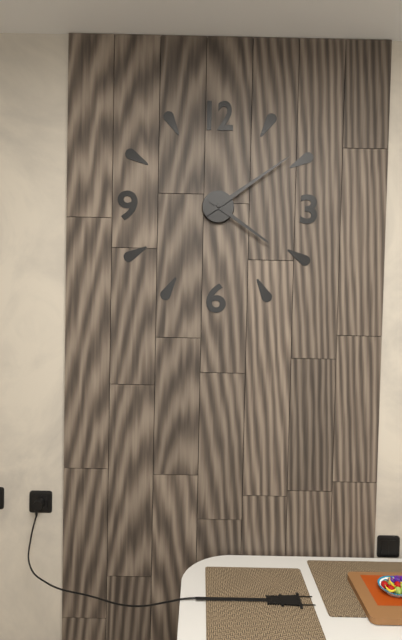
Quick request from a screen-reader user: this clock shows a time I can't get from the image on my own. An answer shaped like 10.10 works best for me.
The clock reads 4.09
